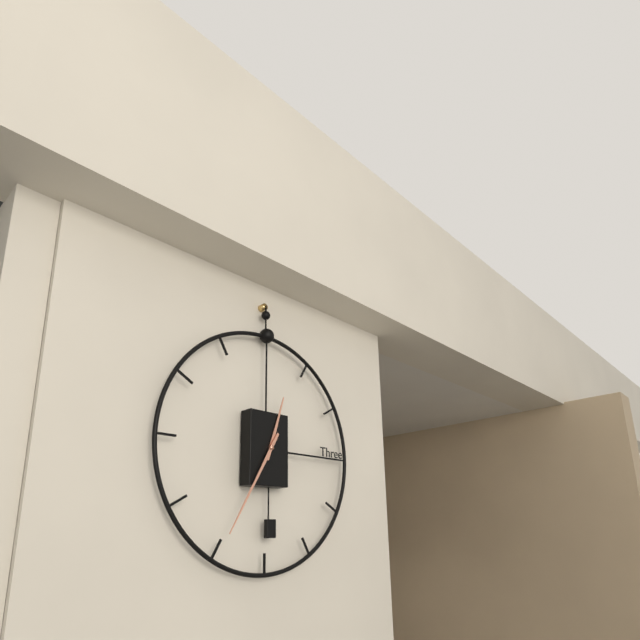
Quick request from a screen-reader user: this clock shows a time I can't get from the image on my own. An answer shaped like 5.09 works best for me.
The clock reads 12.35
